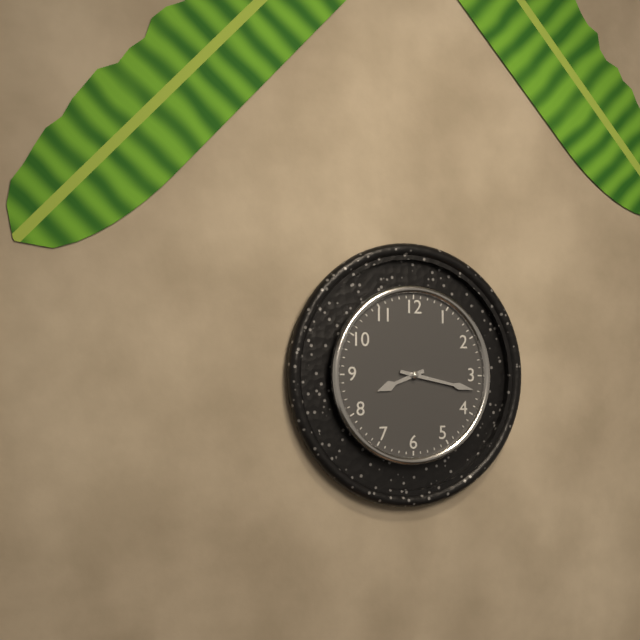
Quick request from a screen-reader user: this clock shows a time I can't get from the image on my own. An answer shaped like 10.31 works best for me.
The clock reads 8.17
